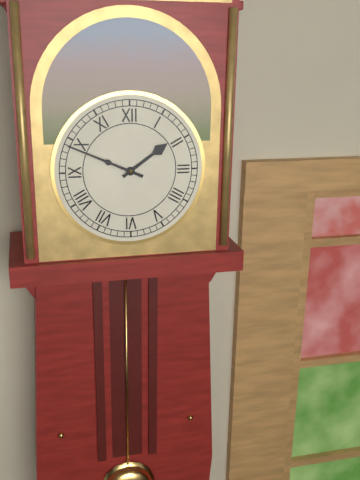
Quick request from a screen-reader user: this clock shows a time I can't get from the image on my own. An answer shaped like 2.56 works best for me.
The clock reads 1.49
